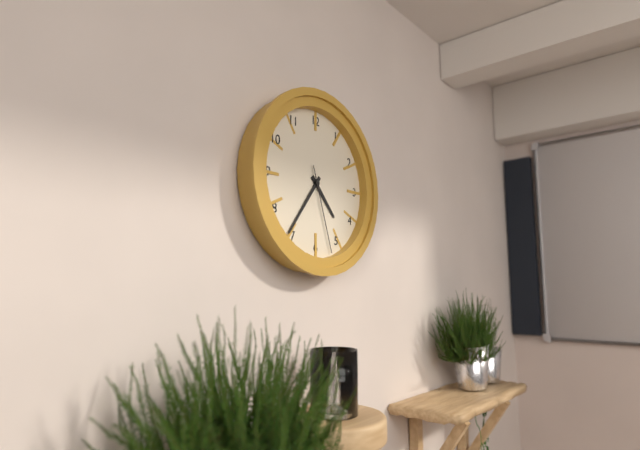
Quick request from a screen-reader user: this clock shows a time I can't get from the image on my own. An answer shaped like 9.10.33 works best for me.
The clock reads 4.36.27
